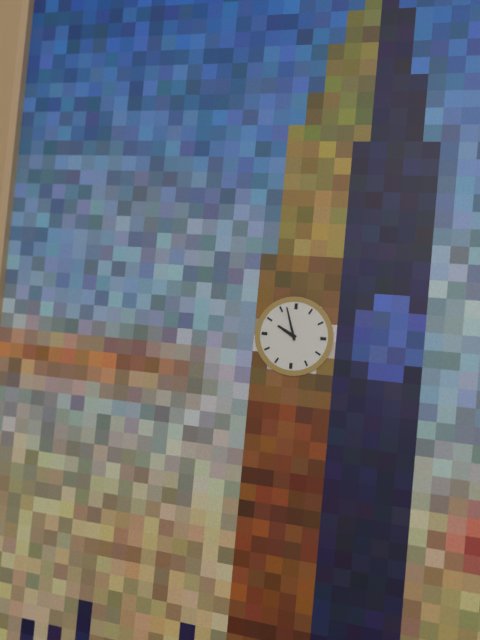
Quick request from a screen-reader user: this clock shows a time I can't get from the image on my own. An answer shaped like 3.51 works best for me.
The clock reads 9.57
